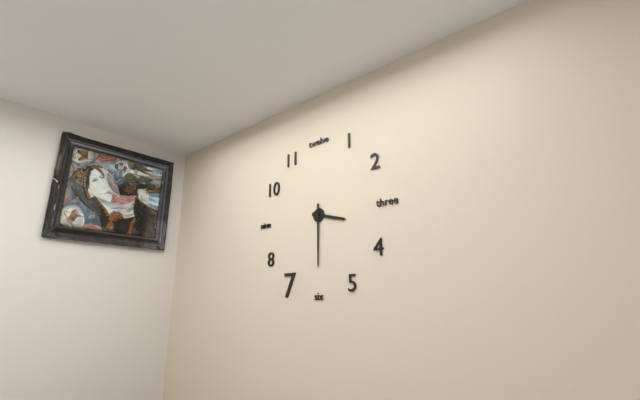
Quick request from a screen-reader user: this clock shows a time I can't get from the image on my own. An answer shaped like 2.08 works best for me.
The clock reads 3.30
